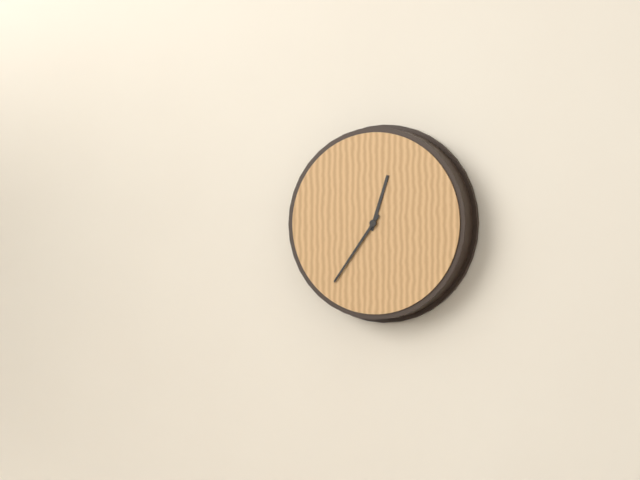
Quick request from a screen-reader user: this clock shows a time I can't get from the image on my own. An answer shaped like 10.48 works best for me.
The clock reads 12.36
